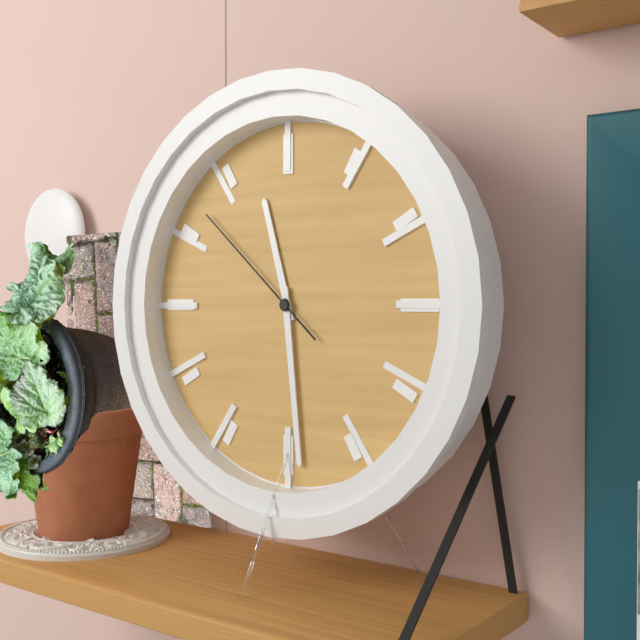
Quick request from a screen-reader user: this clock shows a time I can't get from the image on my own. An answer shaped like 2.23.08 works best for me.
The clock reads 11.29.52
